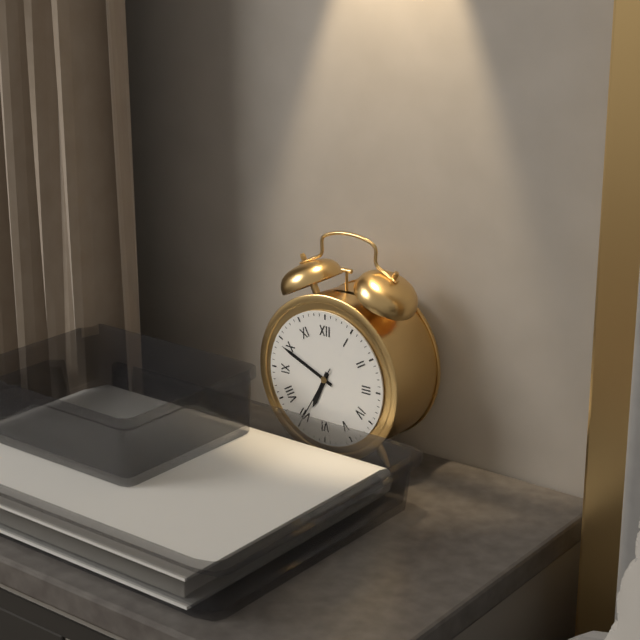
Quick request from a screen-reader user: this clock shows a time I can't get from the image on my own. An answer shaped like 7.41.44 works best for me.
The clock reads 6.49.35
